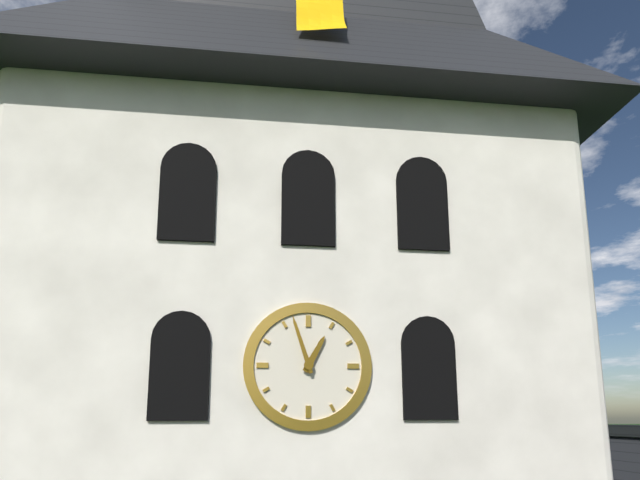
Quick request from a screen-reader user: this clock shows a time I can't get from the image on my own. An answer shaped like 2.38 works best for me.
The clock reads 12.57
